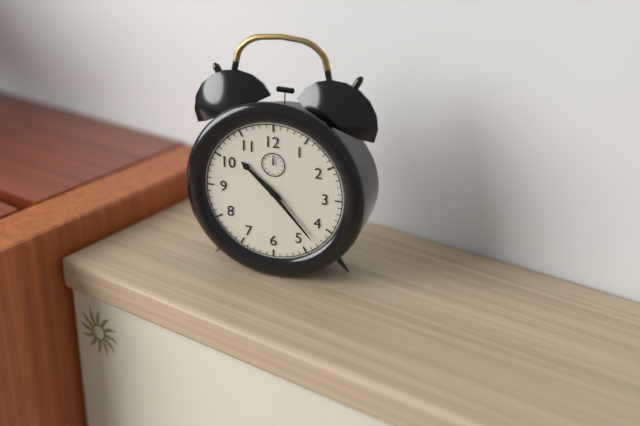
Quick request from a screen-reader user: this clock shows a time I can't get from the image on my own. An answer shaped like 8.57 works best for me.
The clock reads 10.23
